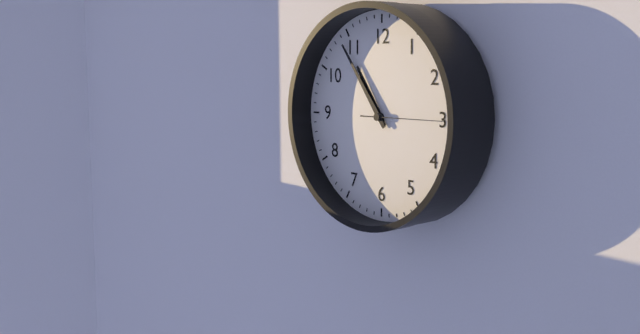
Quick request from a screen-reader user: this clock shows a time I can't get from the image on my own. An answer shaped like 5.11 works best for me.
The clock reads 10.54
